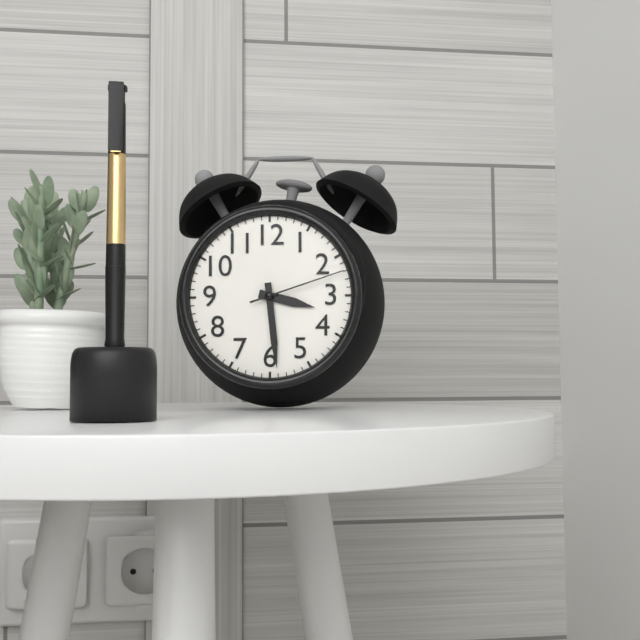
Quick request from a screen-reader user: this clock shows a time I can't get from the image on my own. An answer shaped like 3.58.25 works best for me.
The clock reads 3.29.12
